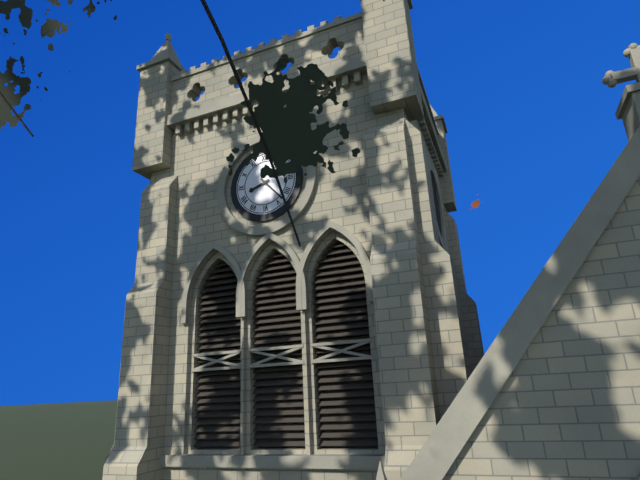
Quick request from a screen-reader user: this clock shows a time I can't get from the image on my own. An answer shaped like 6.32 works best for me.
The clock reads 8.23
